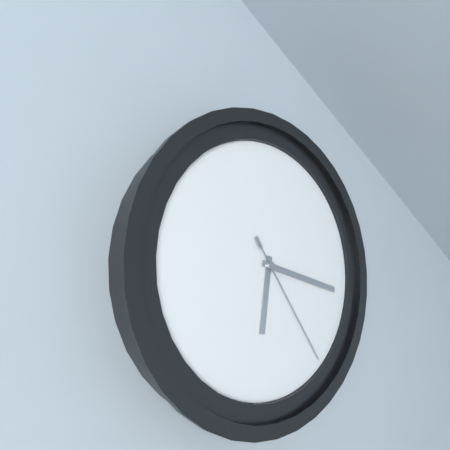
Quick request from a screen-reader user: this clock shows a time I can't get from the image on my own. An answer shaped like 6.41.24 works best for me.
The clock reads 6.17.24
